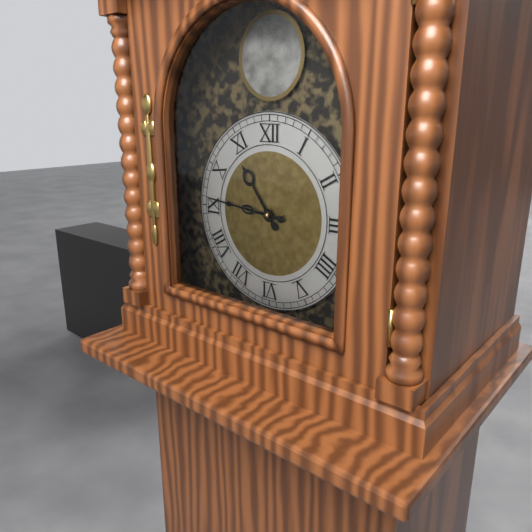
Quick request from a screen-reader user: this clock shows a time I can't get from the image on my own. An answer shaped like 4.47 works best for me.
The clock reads 10.46
